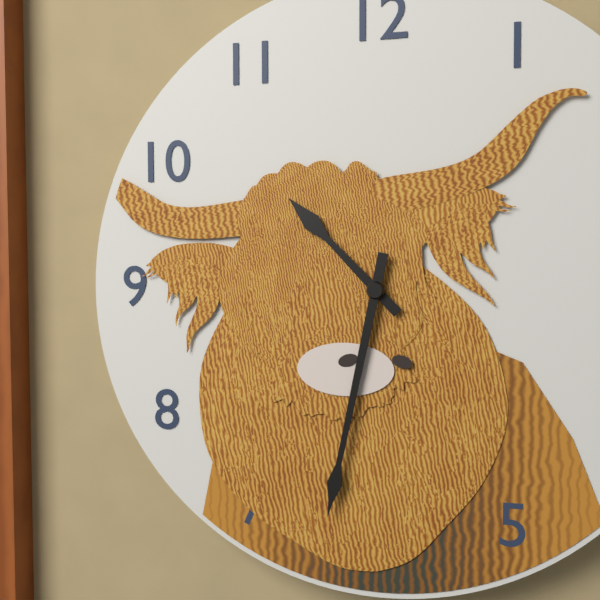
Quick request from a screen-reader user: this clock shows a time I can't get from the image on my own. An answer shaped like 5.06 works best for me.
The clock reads 10.32
